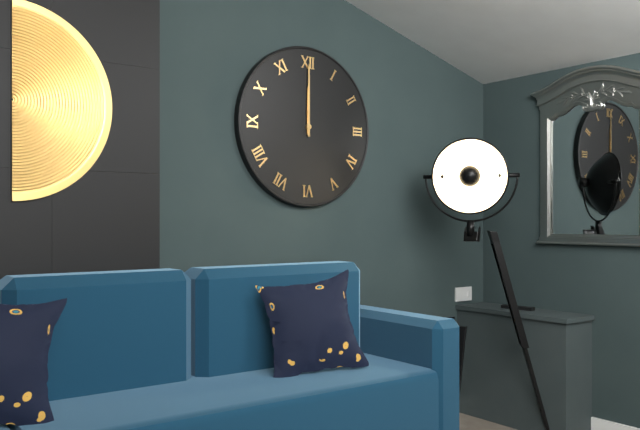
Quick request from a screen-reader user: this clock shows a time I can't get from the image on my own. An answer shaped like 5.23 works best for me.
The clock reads 12.00
